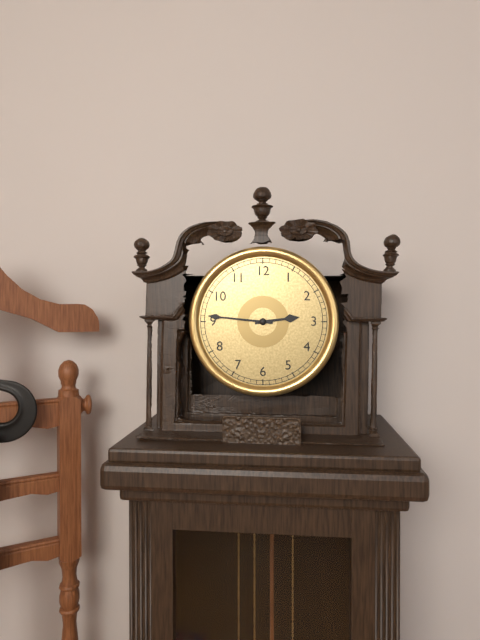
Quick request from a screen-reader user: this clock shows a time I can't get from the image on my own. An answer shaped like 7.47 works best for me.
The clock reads 2.46
